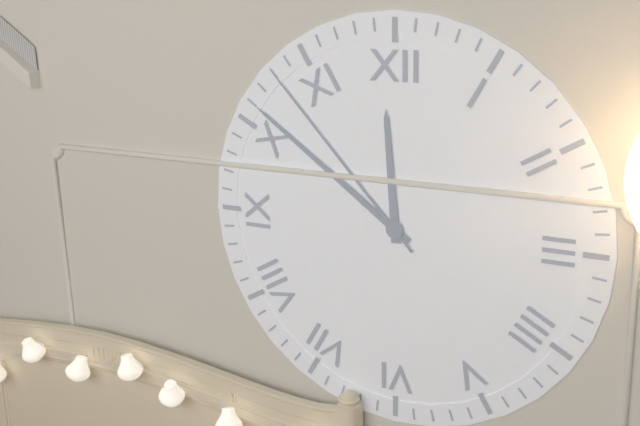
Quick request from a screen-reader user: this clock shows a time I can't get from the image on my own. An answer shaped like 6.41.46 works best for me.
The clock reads 11.51.53
